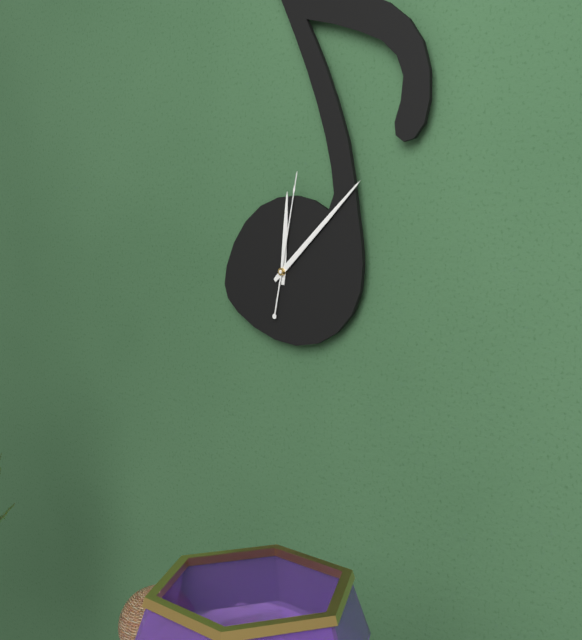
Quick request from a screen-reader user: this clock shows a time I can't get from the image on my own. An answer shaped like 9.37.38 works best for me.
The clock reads 12.08.02
